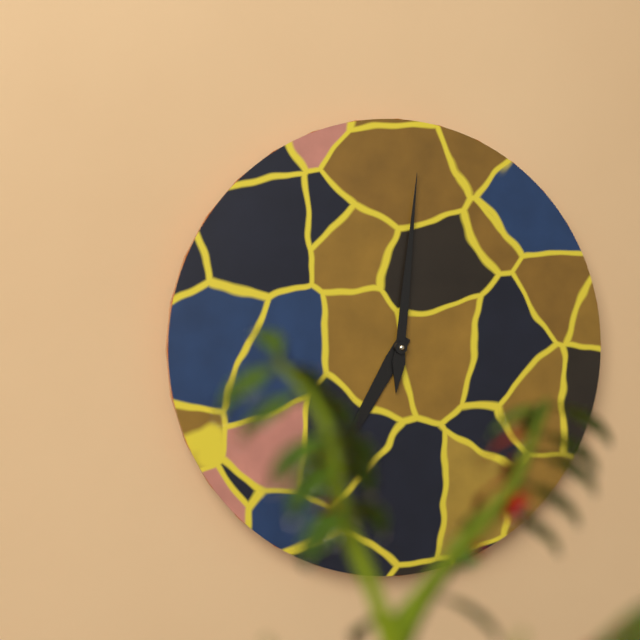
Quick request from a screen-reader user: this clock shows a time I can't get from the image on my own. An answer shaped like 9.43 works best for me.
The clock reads 7.01
